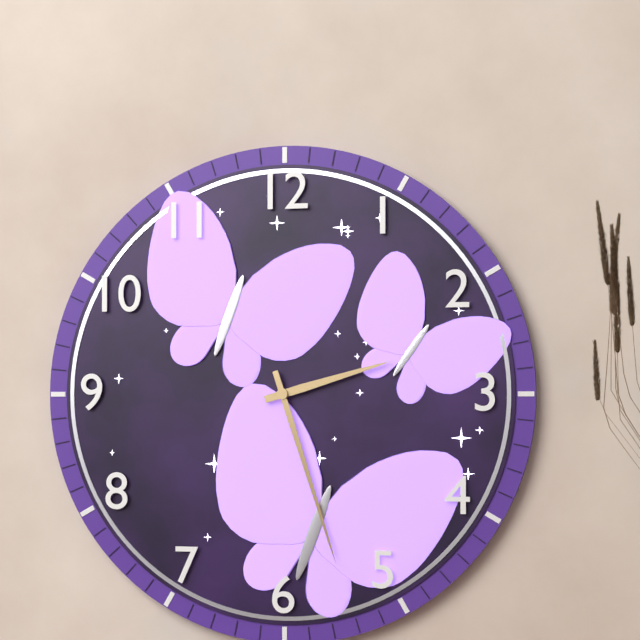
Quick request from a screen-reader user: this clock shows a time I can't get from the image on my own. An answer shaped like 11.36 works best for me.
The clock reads 2.27
